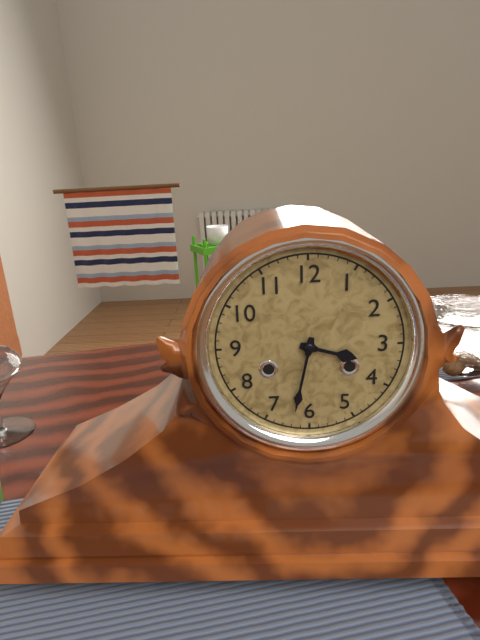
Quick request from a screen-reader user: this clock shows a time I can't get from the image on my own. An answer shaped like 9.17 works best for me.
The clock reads 3.32
